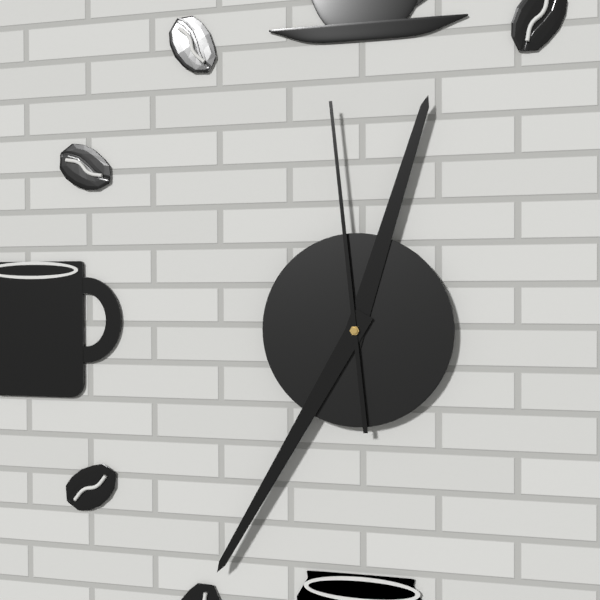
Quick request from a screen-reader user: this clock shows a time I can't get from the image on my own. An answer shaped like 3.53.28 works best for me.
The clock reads 12.35.59
